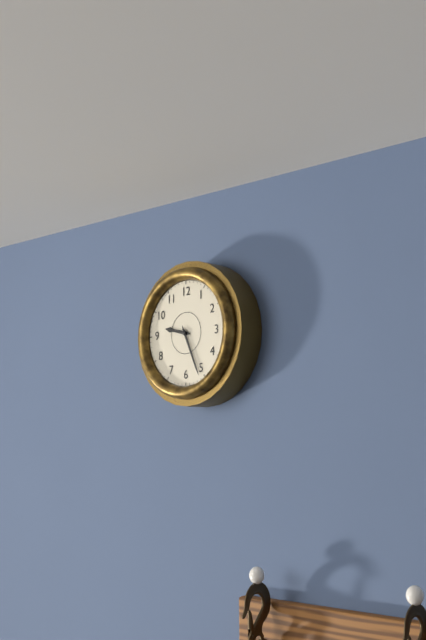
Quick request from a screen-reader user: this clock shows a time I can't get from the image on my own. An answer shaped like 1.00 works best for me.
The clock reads 9.26
